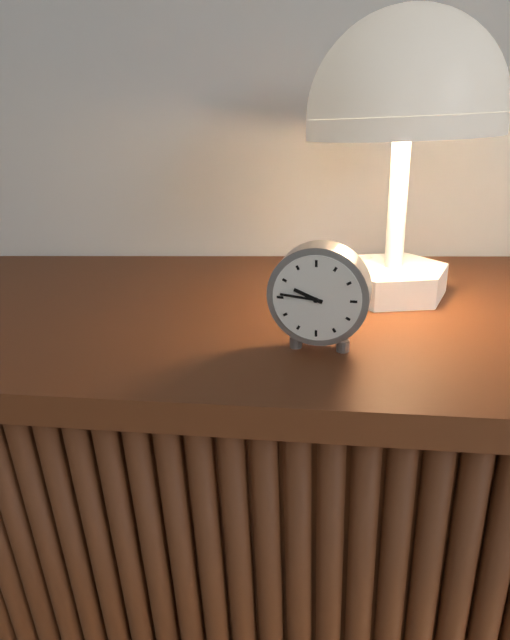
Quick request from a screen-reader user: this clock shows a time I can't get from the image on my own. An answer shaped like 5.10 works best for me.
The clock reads 9.46
